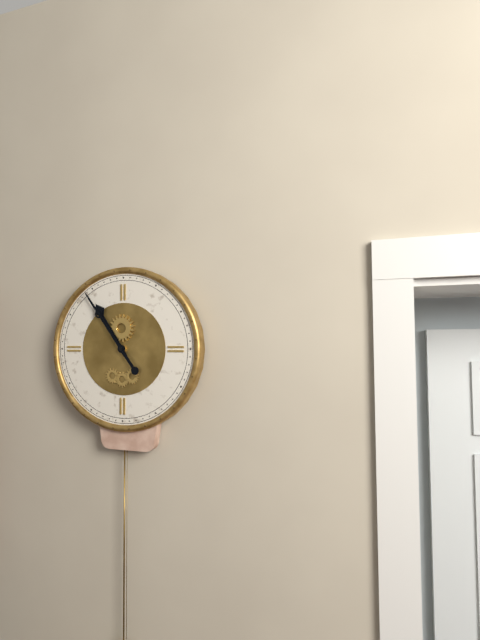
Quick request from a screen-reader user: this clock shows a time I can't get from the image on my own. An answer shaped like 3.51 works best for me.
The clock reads 10.54
